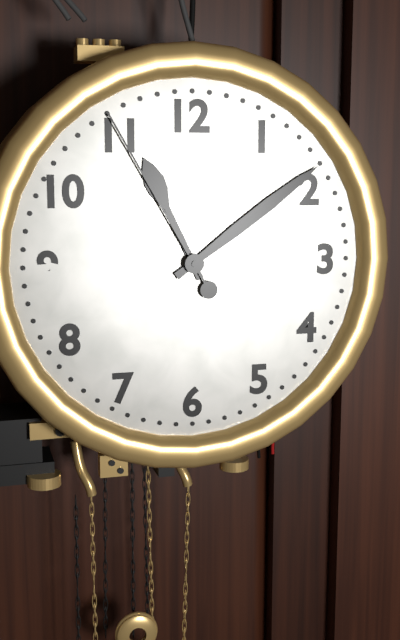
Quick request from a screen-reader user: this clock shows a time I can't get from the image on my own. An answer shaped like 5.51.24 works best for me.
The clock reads 11.09.55
